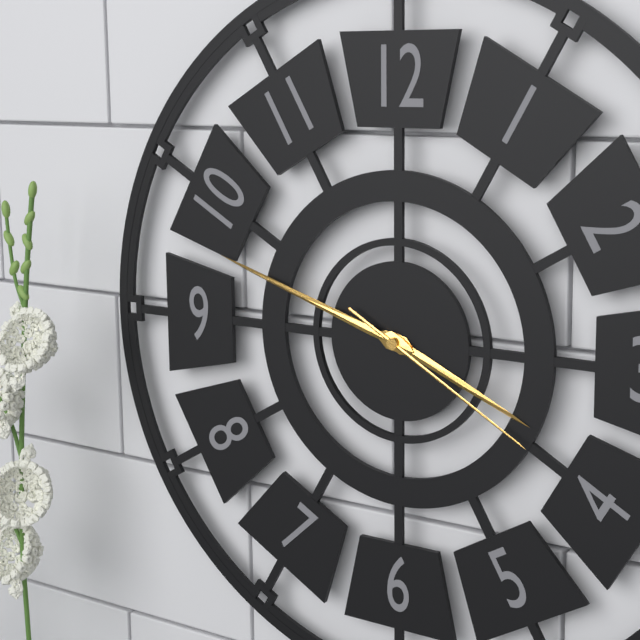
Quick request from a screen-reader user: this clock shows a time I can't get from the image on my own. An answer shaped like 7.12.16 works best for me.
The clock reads 3.48.20
